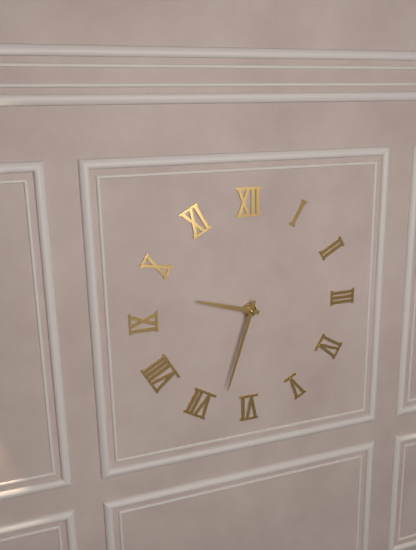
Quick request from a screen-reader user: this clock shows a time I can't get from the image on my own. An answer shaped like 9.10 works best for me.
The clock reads 9.33
